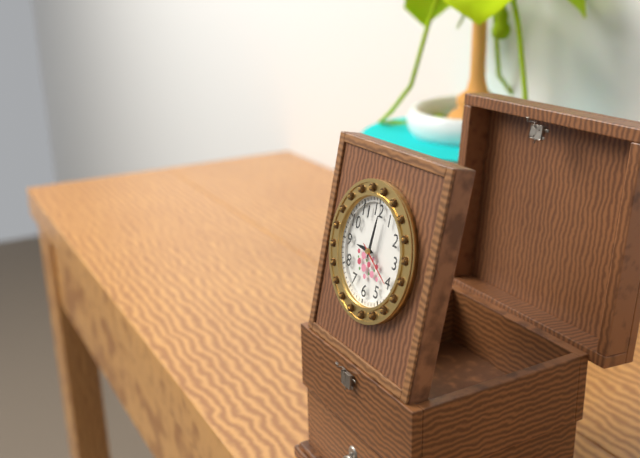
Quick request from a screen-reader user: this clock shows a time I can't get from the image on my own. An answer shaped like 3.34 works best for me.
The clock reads 9.01
